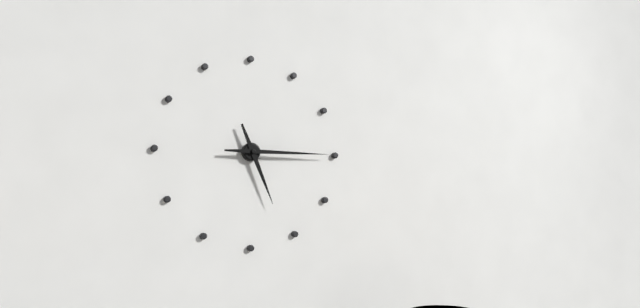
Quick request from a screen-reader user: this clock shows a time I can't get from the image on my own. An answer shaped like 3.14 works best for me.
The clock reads 5.15
